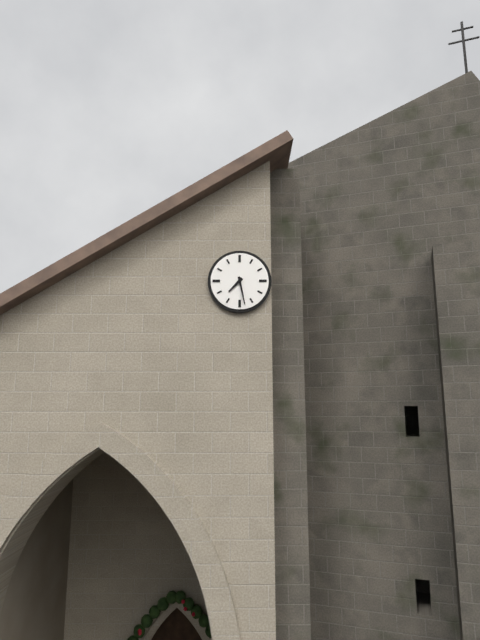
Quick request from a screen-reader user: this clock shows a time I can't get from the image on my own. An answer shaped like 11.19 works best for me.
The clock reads 7.28
